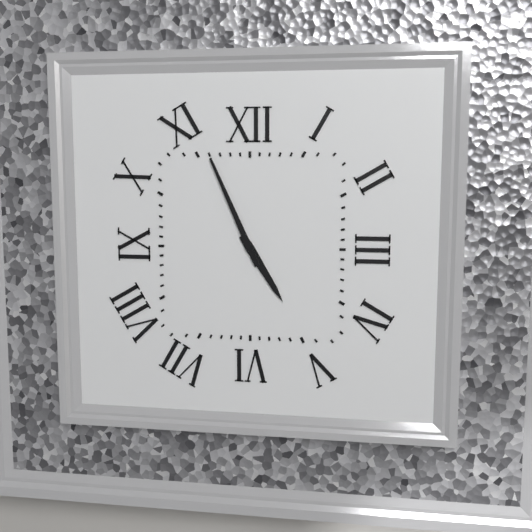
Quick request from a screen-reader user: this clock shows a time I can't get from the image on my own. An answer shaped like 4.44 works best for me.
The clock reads 4.56
